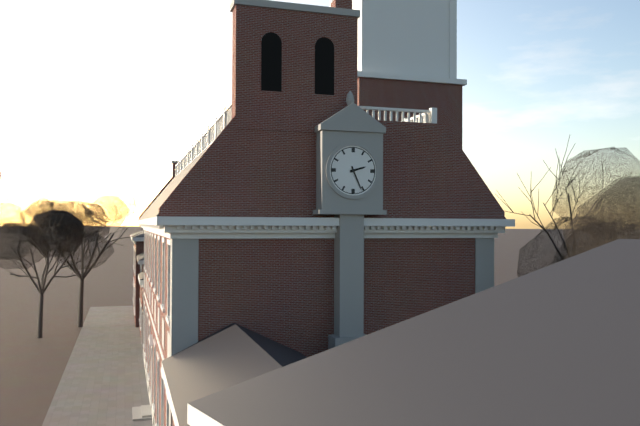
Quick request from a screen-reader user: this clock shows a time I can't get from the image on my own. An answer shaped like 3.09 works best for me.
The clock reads 2.26
